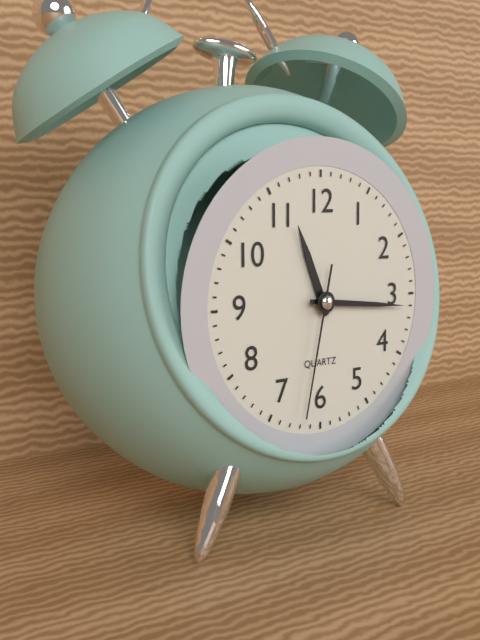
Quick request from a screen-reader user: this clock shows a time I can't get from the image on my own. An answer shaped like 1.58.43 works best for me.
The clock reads 11.16.32
